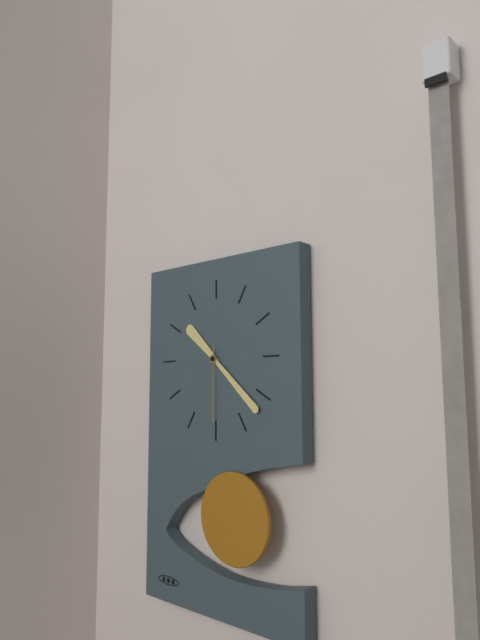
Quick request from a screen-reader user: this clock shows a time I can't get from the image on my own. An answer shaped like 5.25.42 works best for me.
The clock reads 10.22.30
